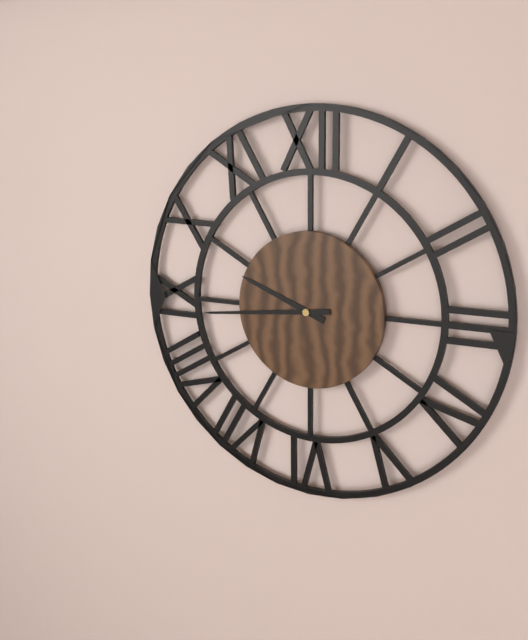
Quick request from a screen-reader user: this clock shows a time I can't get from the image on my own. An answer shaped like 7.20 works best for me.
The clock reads 9.44
